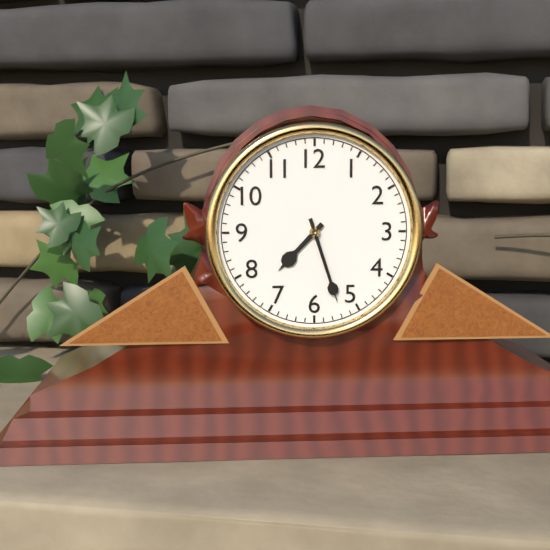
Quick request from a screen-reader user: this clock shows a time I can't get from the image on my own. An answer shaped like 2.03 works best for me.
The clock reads 7.27
